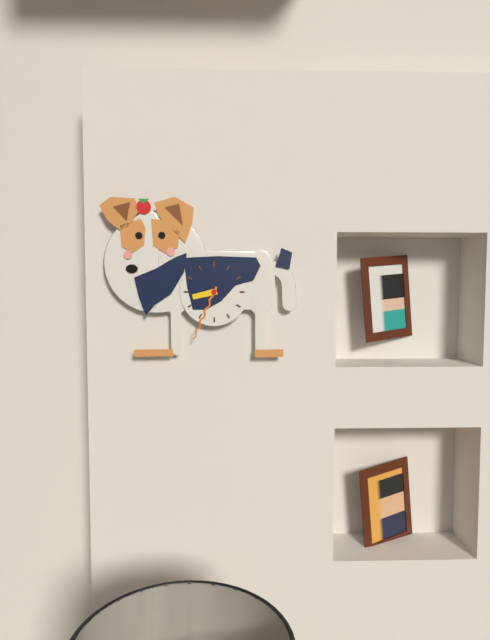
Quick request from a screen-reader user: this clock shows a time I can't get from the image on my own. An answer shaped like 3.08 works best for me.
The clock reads 8.34
